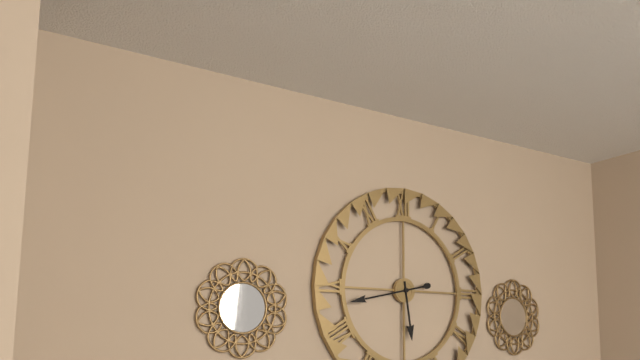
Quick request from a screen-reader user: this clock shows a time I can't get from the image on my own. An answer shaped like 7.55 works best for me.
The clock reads 5.43
